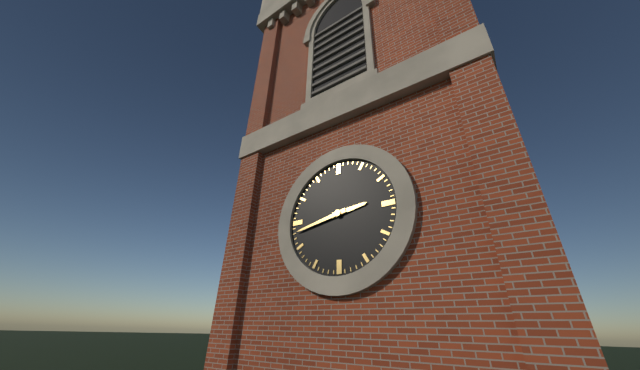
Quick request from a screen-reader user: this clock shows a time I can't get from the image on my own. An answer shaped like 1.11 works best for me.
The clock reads 2.43
